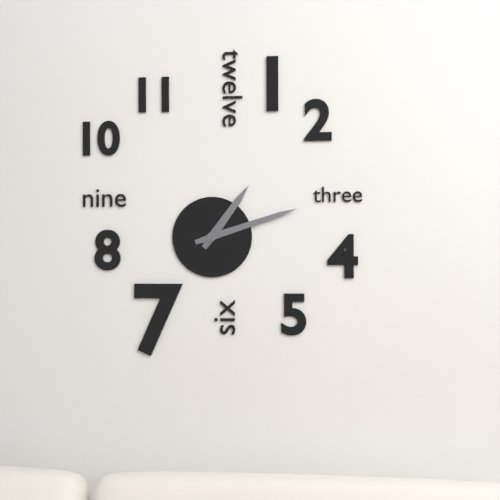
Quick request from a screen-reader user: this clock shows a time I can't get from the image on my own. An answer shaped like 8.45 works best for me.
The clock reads 1.12
